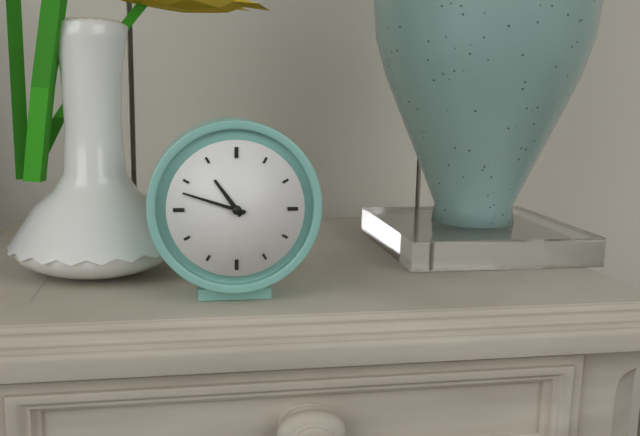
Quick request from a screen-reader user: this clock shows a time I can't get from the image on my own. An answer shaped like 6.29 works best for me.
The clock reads 10.48
